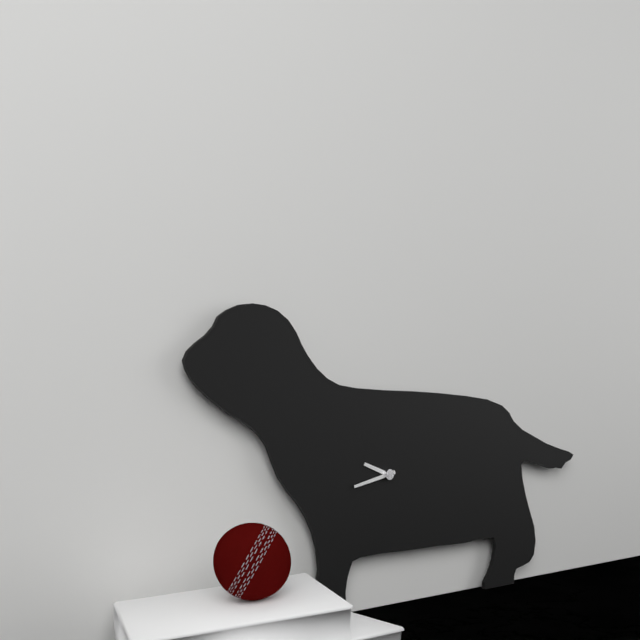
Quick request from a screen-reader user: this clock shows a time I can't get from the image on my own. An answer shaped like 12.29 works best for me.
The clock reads 9.43
